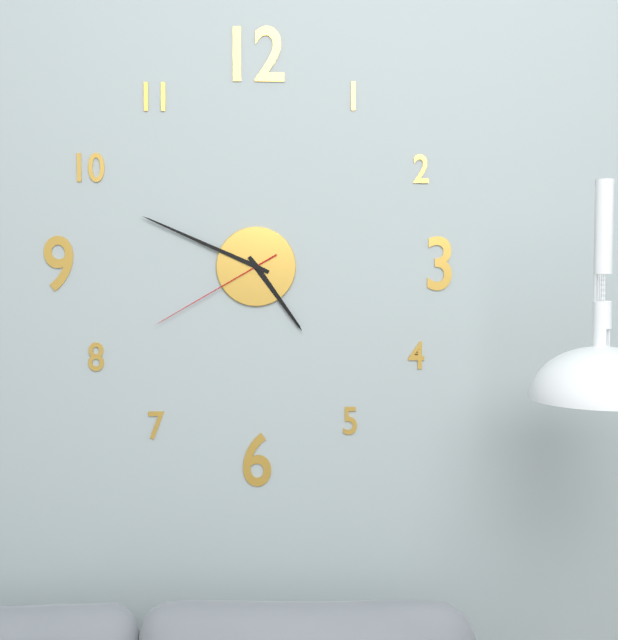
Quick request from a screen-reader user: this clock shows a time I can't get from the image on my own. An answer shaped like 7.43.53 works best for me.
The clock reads 4.49.40
